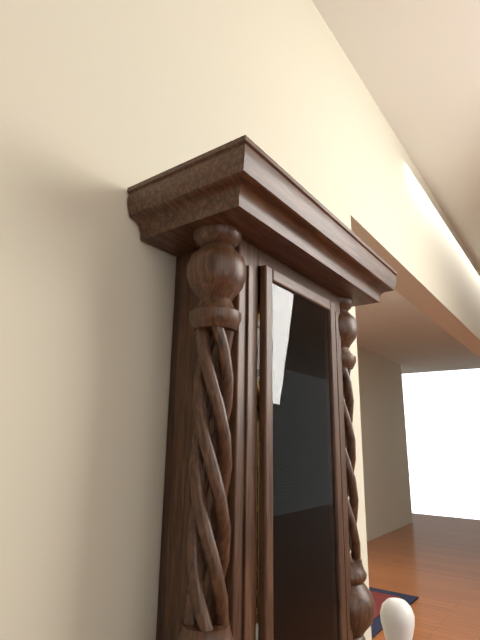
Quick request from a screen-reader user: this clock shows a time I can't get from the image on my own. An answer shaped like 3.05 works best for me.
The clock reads 1.18
